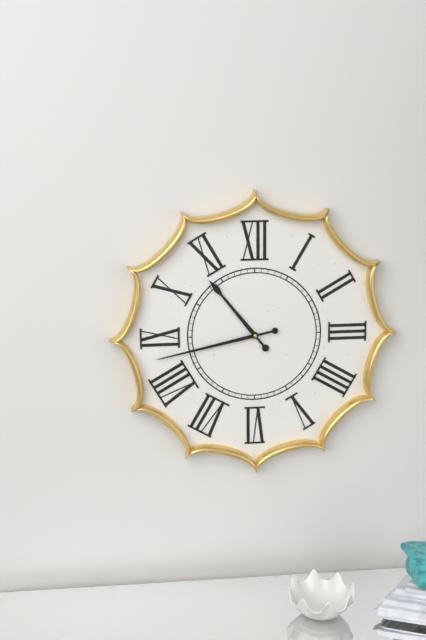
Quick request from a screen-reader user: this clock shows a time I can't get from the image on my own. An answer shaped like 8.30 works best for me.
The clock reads 10.43
